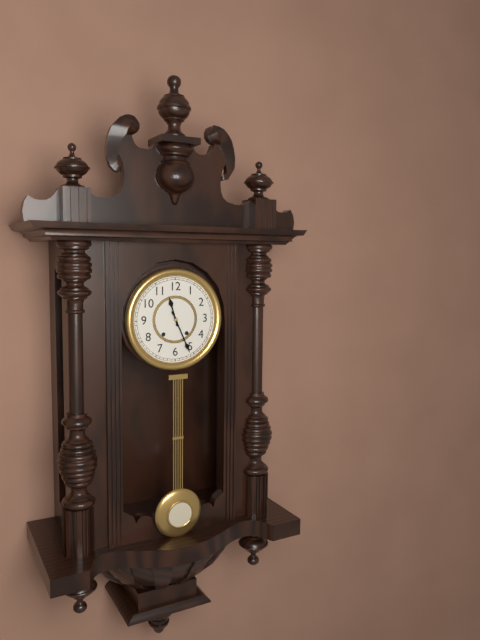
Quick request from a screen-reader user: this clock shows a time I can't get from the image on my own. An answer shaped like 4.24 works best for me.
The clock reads 11.26
